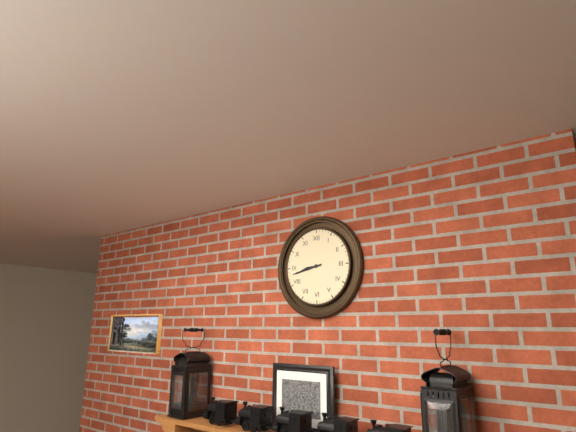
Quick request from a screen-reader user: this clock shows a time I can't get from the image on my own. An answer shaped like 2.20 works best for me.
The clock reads 8.43
